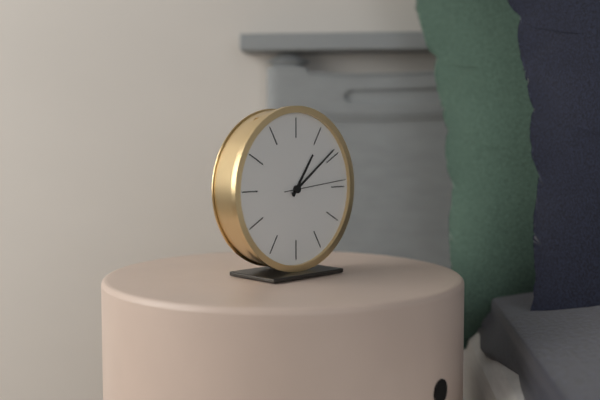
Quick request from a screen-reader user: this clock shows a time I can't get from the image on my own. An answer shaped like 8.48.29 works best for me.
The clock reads 1.09.14
